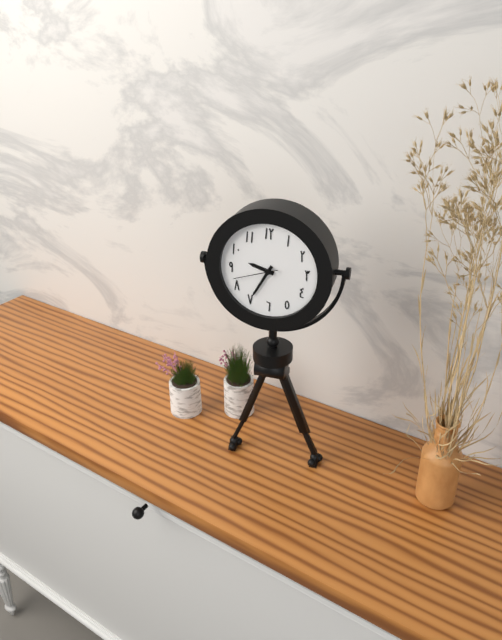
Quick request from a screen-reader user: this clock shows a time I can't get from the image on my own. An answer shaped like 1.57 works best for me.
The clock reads 9.35
